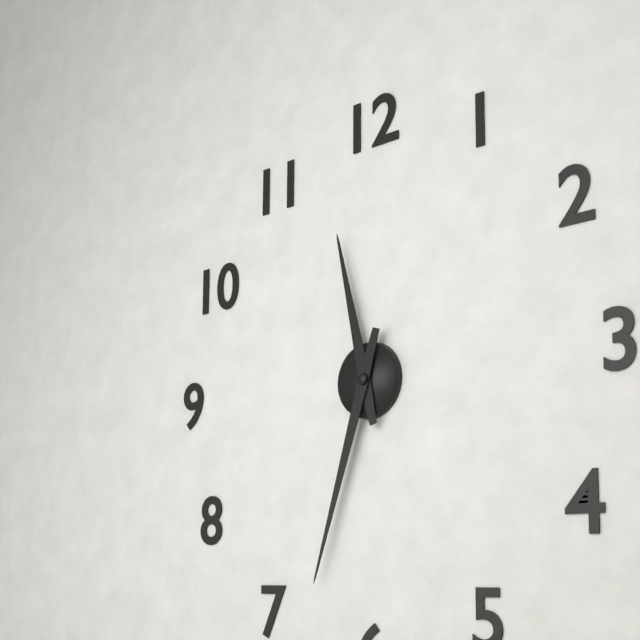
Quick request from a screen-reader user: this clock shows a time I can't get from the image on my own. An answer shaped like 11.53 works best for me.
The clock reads 11.33
